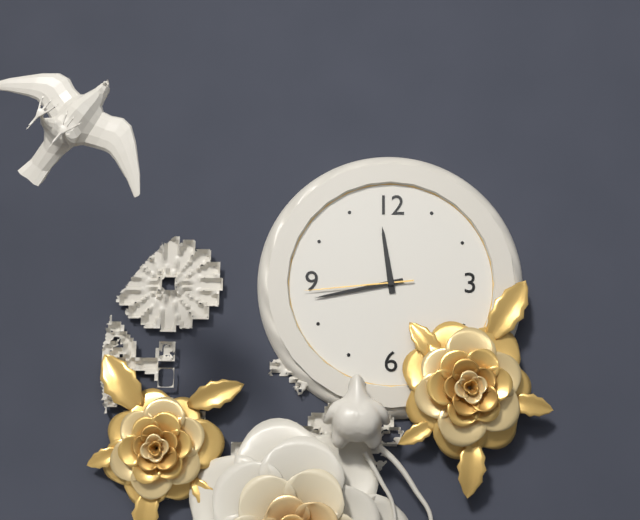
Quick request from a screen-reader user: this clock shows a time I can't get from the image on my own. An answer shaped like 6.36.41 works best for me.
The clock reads 11.43.44
